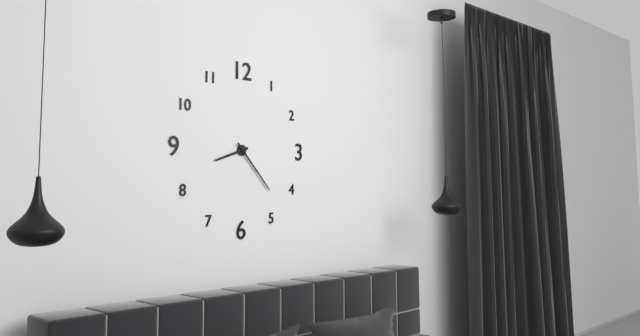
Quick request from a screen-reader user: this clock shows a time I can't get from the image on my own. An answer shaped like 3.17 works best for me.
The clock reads 8.23
